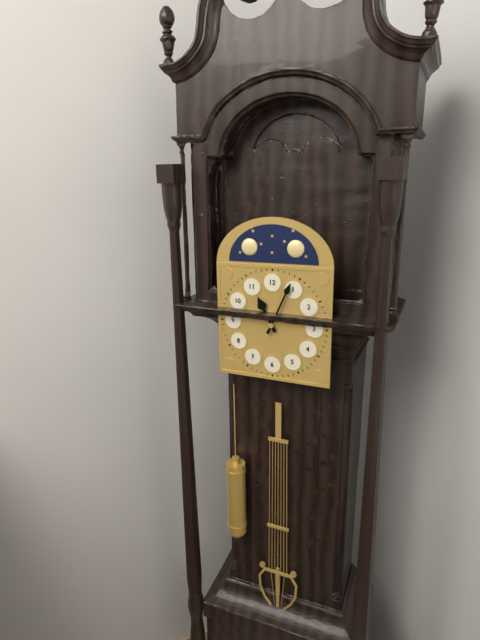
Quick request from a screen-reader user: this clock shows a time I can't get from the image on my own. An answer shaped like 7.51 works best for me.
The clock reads 11.04
